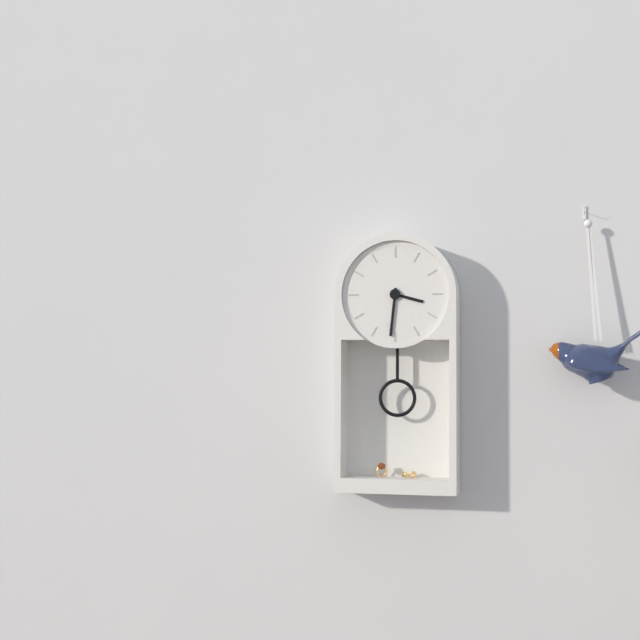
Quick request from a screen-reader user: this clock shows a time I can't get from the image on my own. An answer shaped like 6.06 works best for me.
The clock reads 3.31
